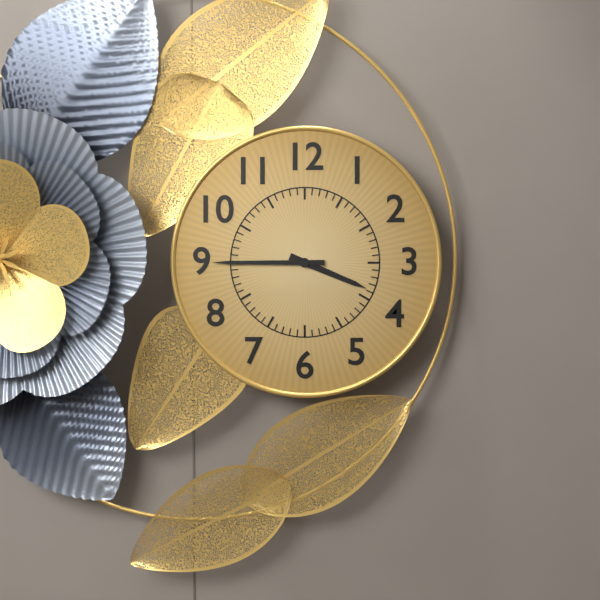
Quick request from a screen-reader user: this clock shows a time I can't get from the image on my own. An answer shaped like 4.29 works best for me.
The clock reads 3.45
